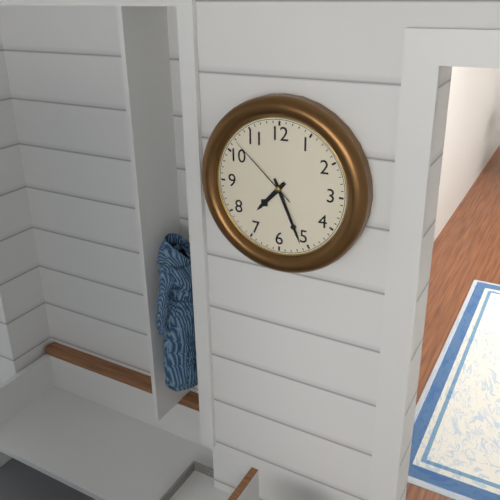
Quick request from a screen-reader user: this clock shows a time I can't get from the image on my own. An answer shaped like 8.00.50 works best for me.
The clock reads 7.26.52
